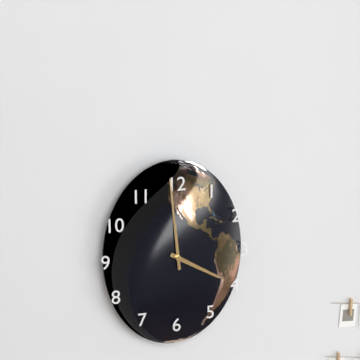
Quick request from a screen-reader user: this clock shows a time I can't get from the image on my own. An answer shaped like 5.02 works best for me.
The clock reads 3.59
